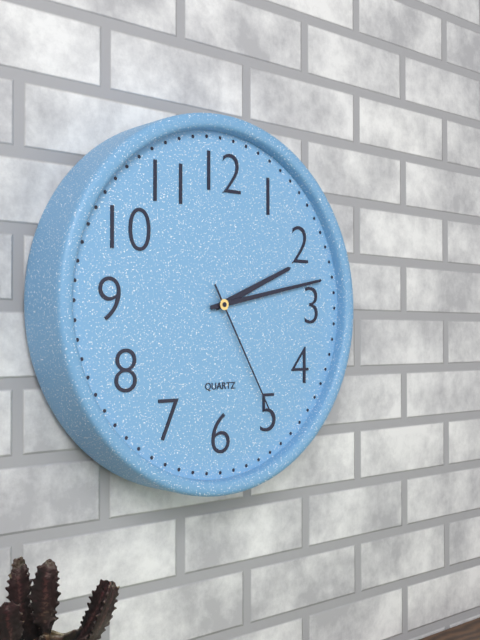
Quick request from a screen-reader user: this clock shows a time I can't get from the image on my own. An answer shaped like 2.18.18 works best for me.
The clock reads 2.13.25
